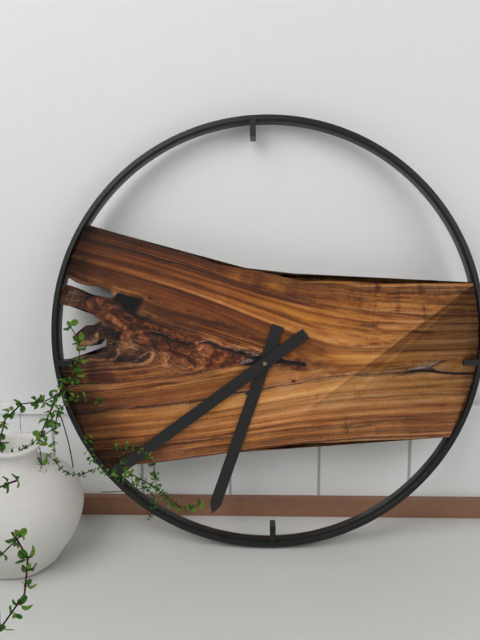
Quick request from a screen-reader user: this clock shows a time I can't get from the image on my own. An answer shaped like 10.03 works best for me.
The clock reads 6.39
